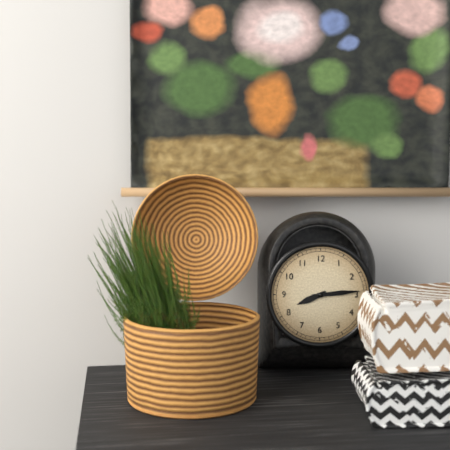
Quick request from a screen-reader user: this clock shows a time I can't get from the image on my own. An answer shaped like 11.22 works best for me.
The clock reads 8.14
